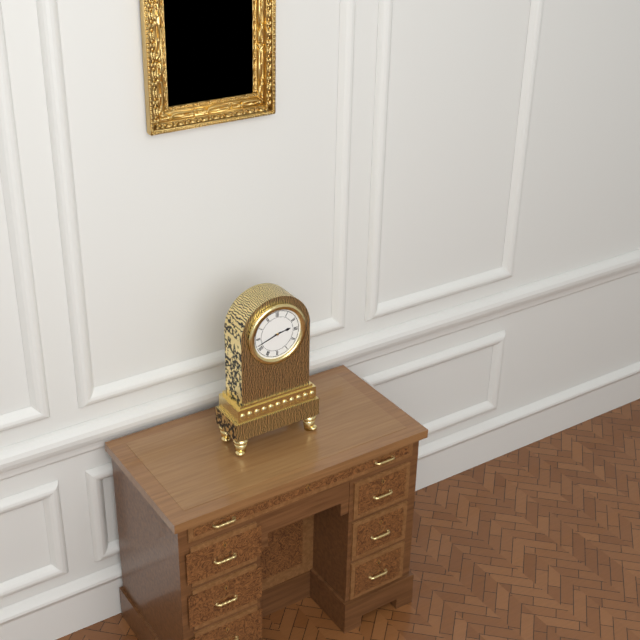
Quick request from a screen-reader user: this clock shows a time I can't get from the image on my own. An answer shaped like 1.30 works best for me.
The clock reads 2.42
